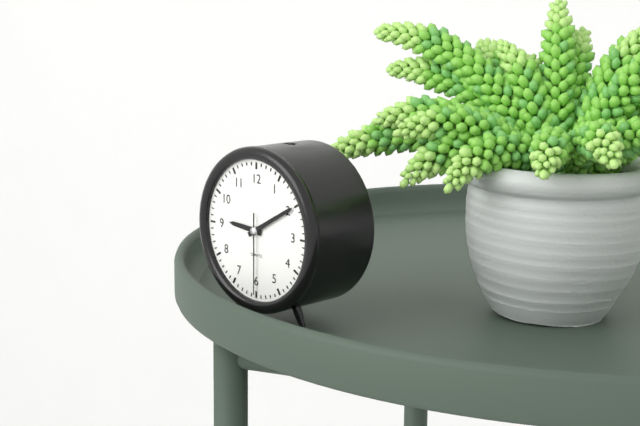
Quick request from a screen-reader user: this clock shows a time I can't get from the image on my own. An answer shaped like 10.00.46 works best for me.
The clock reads 9.10.30
